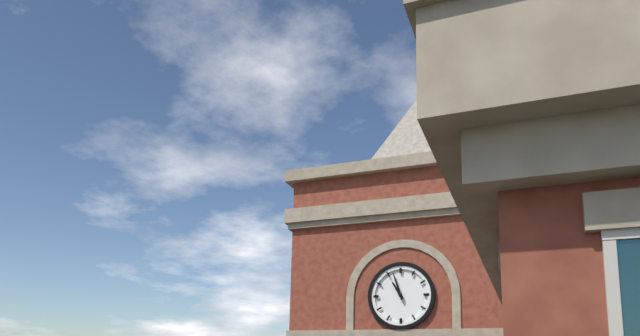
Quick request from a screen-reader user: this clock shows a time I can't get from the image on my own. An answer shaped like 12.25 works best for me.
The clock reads 10.57
